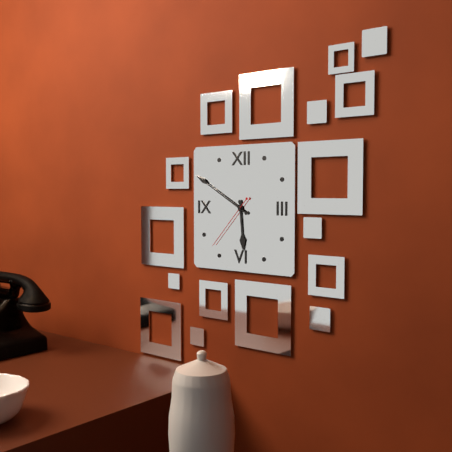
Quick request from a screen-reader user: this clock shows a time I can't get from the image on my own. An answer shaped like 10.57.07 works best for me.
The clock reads 5.50.37
